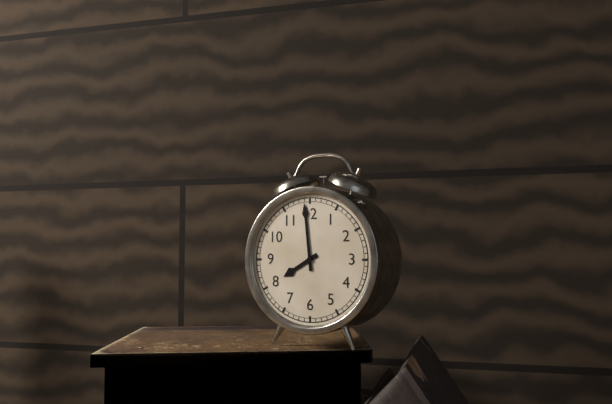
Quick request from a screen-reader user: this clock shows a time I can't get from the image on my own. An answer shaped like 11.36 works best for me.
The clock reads 7.59
